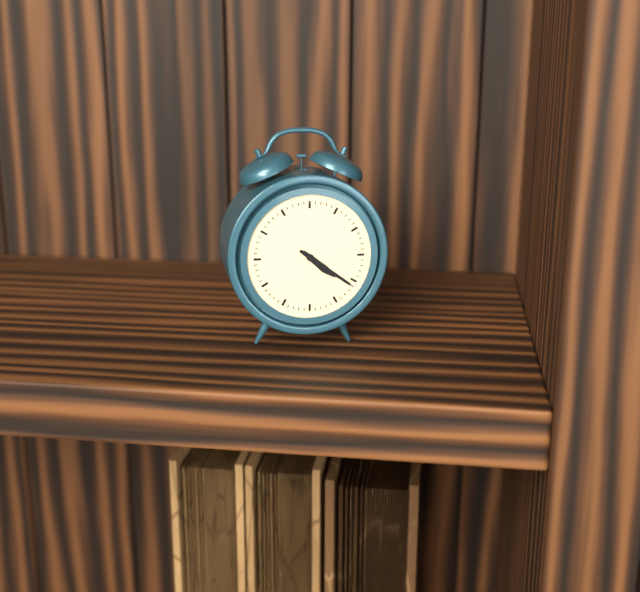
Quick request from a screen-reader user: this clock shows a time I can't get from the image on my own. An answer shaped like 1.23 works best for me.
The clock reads 4.21
